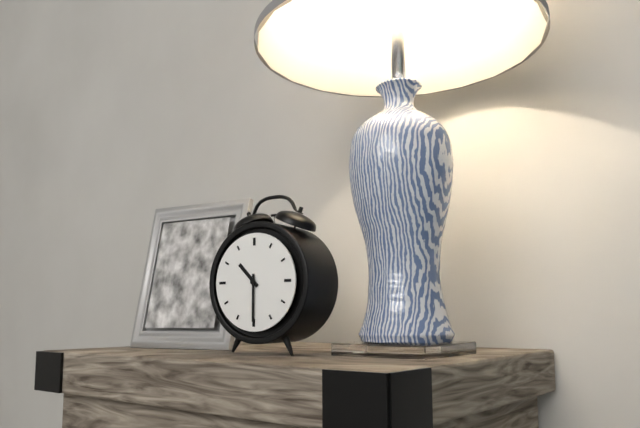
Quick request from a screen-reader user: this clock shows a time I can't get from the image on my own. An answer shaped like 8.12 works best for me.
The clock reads 10.30
